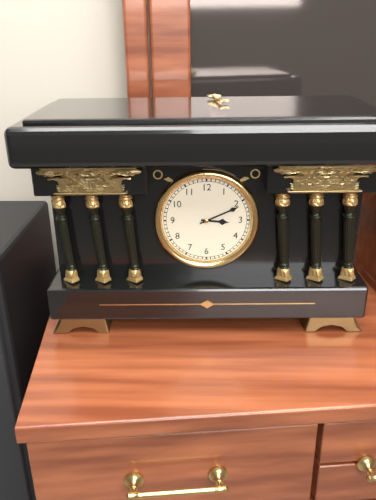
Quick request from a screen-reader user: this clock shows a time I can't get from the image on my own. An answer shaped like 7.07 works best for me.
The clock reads 3.11
